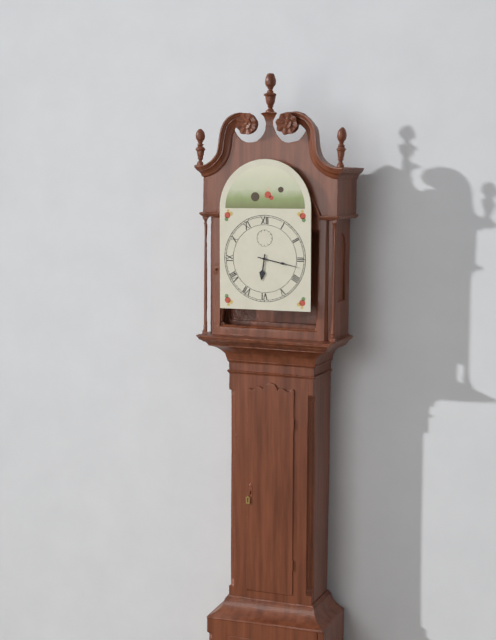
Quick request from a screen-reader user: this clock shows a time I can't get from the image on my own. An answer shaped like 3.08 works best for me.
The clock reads 6.17
